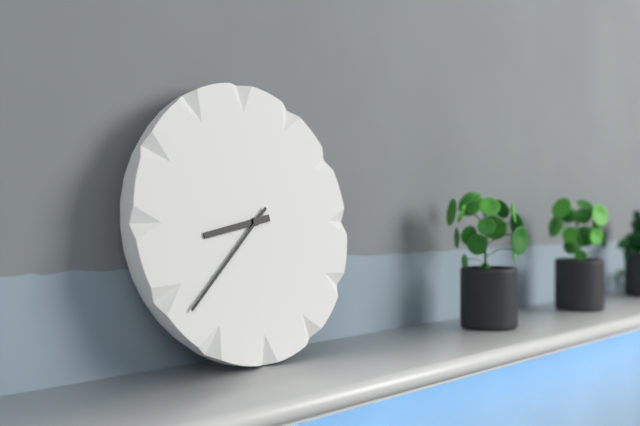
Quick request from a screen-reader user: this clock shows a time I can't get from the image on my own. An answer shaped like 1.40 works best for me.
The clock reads 8.38
